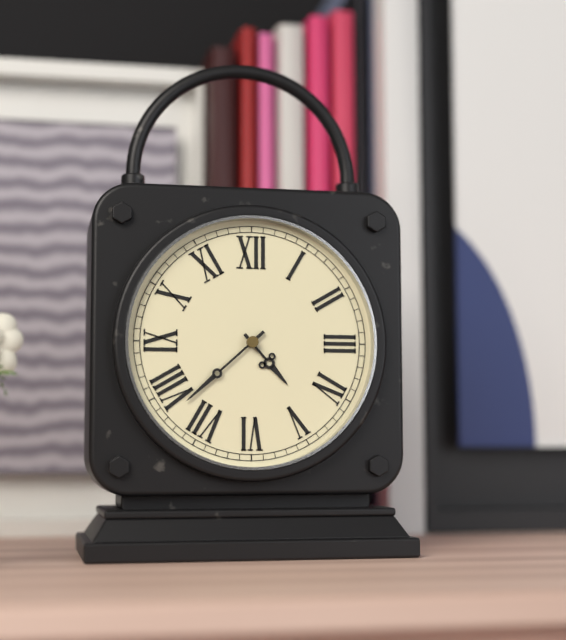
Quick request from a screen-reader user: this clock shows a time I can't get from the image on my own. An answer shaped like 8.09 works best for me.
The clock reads 4.38
